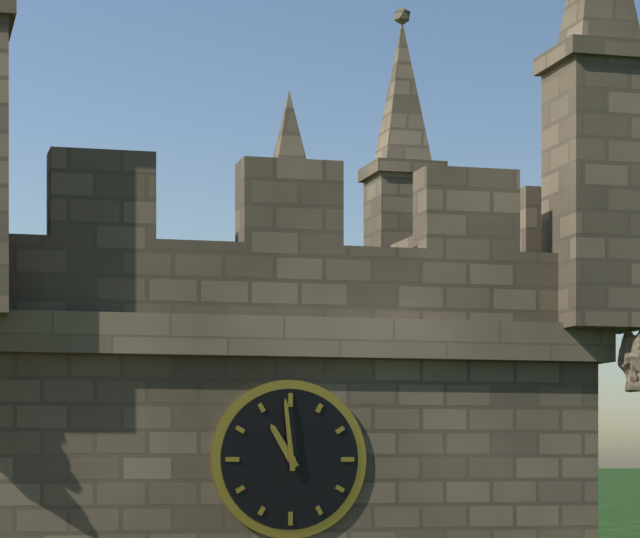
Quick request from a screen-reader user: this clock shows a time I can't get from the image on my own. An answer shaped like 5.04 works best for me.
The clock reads 10.59
